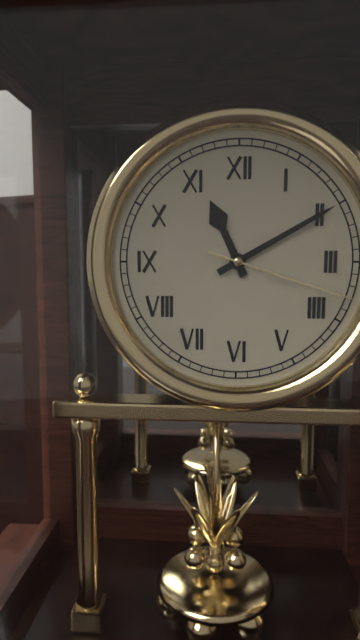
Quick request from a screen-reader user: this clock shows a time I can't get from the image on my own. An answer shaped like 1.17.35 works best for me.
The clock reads 11.10.18
